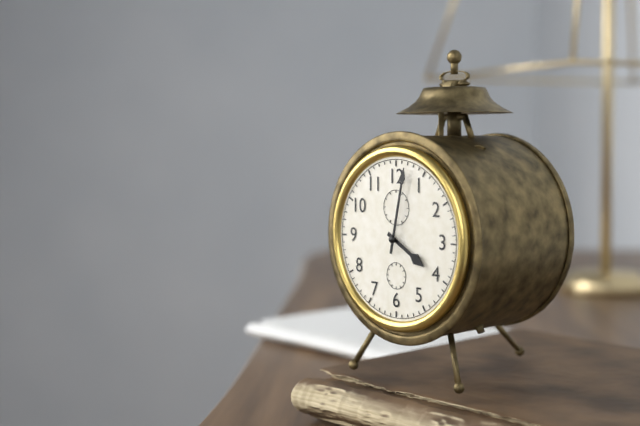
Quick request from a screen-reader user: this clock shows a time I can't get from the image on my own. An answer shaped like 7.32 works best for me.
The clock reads 4.02
